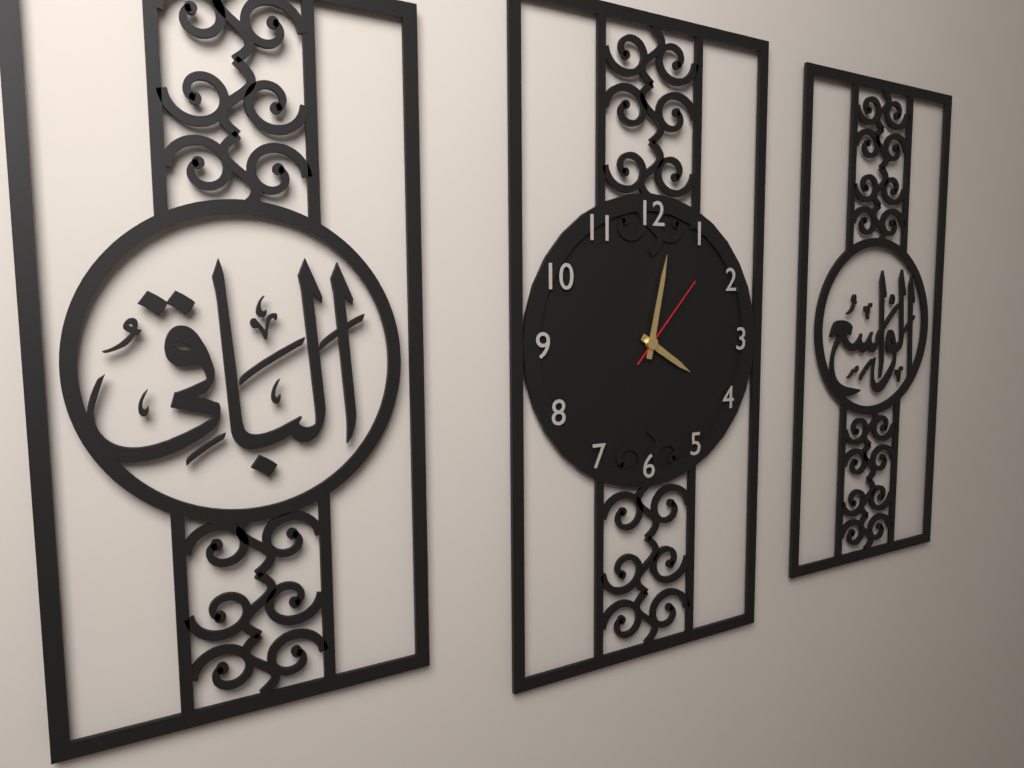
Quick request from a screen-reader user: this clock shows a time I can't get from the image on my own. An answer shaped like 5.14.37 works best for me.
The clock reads 4.02.07
